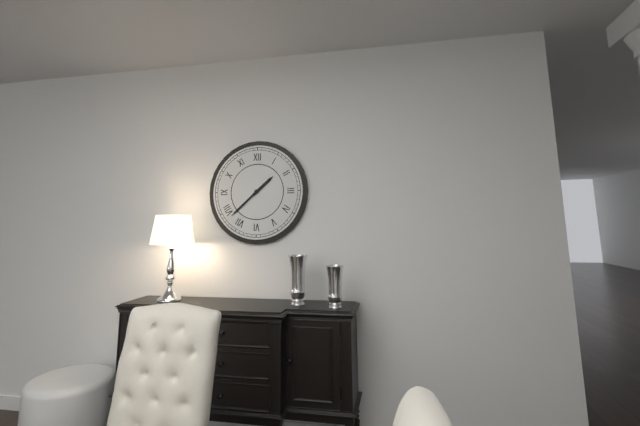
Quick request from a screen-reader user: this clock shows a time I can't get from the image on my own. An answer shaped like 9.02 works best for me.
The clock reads 1.38
